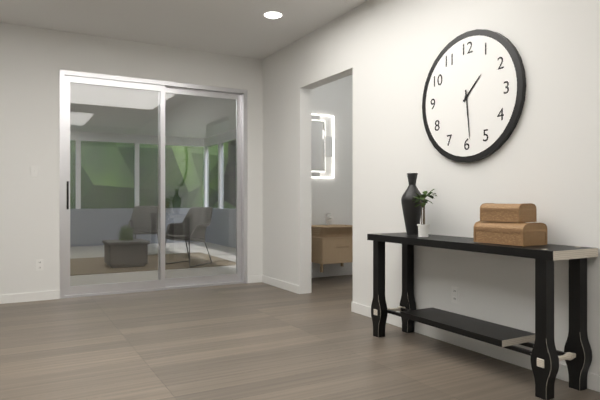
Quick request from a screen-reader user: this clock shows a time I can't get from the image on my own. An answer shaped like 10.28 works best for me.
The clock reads 1.29
